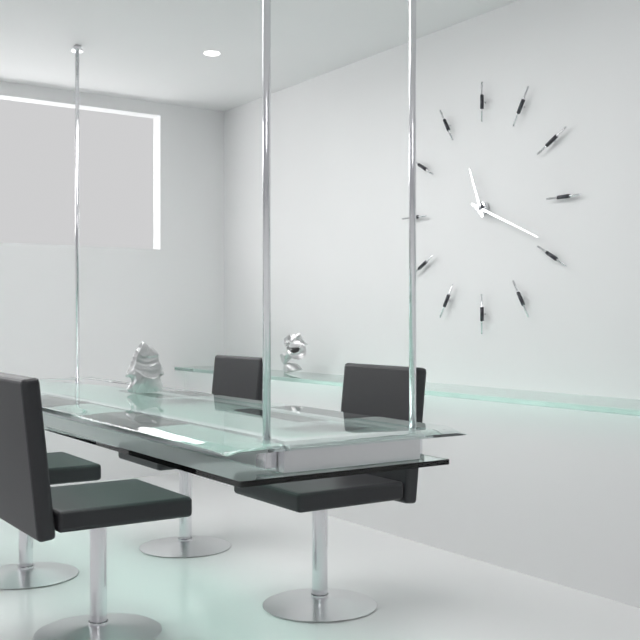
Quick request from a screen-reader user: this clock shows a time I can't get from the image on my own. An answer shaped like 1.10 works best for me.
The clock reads 11.19
